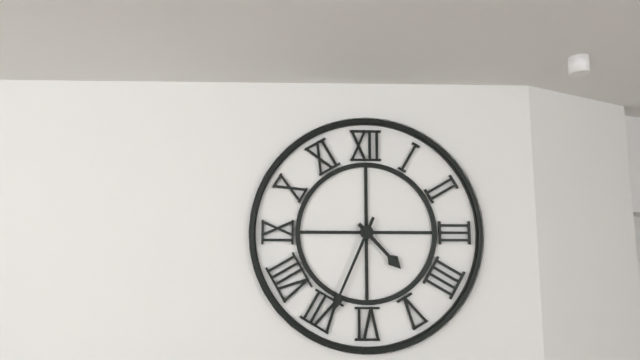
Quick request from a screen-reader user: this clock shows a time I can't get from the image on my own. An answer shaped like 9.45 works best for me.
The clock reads 4.34
